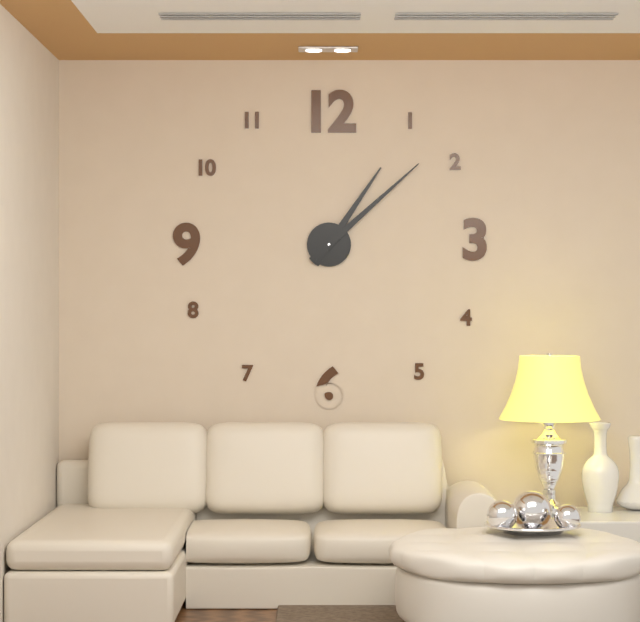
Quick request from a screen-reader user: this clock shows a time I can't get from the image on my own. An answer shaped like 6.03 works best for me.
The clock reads 1.08
